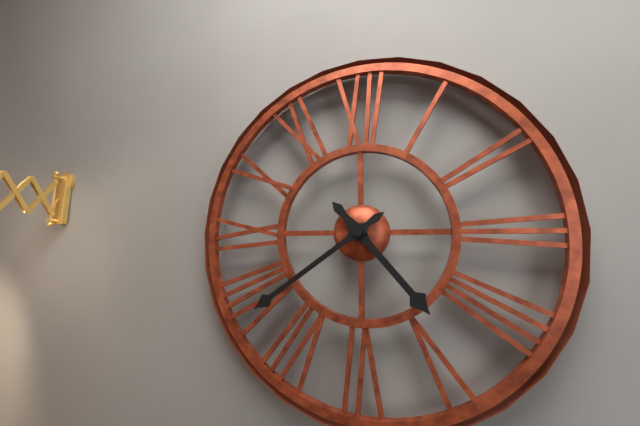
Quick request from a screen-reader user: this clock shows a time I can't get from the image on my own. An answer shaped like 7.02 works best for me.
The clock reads 4.39
